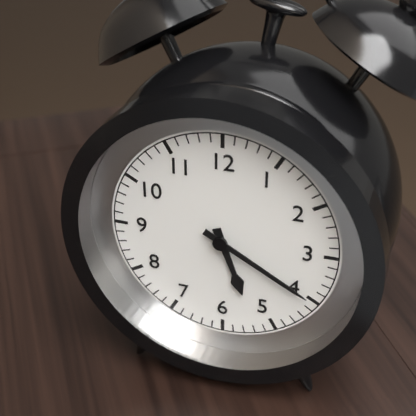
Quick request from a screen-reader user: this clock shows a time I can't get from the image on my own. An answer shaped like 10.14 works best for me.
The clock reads 5.20
